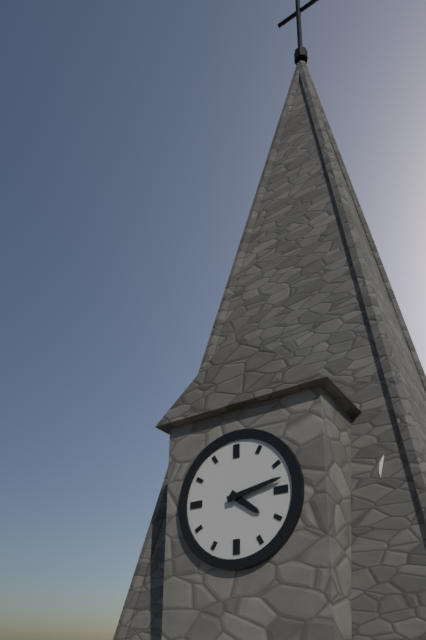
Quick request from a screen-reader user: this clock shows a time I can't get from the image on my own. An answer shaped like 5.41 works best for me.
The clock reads 4.13
